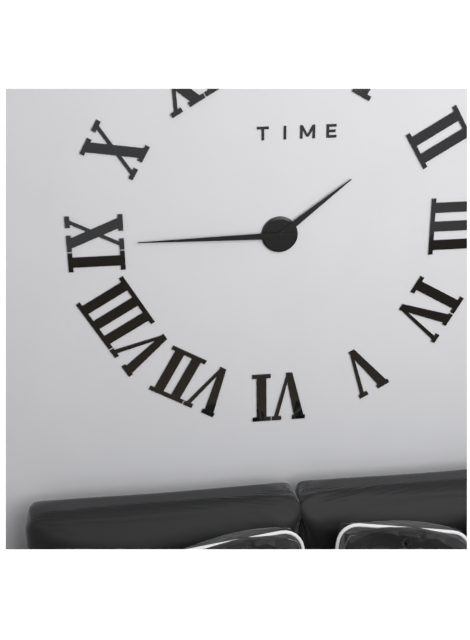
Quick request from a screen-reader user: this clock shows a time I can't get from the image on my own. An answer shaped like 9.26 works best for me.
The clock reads 1.45
